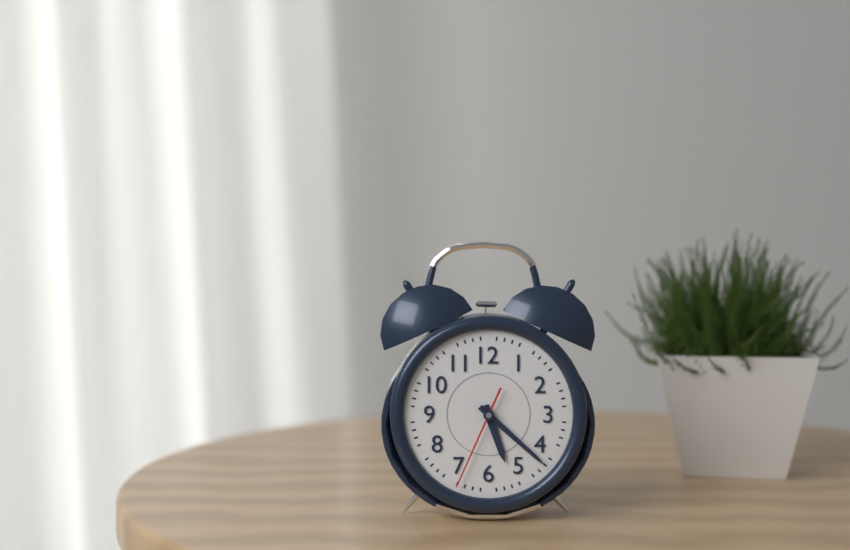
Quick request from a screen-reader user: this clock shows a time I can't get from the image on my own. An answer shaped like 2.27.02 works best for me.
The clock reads 5.22.34
